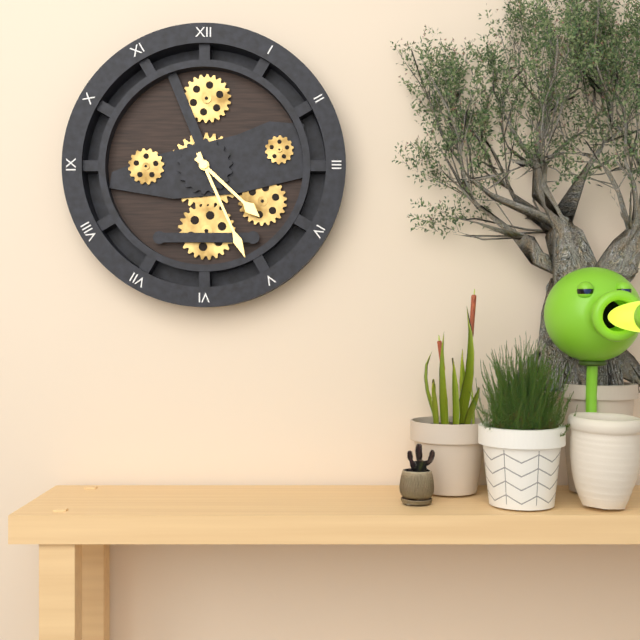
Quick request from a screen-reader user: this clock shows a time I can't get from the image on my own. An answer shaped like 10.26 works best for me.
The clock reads 4.26
